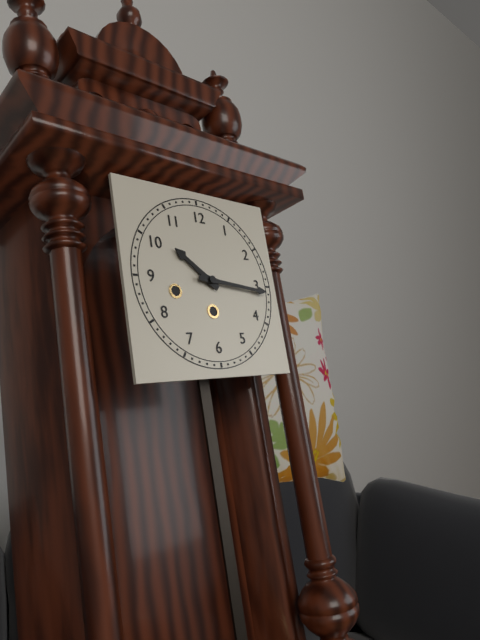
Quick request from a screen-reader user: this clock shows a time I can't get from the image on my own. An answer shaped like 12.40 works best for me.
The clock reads 10.16
